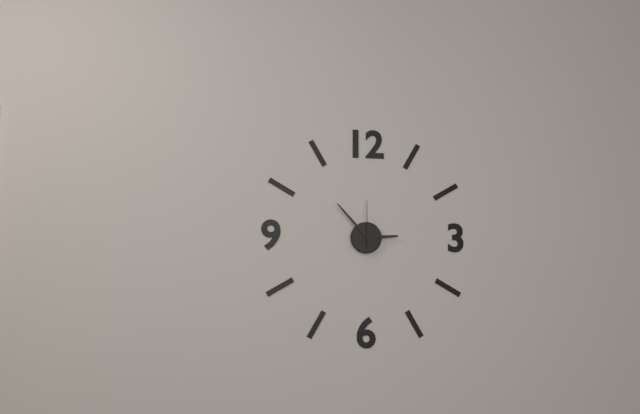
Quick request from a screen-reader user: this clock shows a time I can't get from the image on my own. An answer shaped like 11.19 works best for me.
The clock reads 2.53
